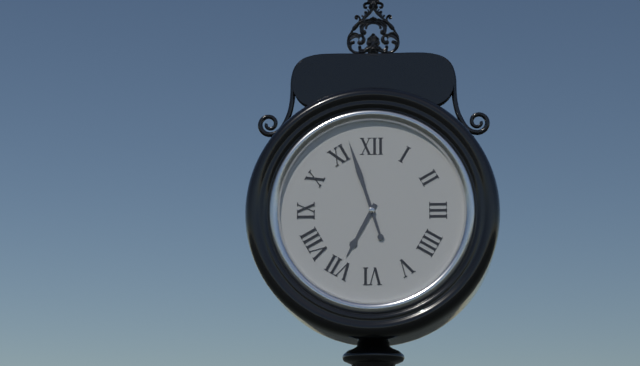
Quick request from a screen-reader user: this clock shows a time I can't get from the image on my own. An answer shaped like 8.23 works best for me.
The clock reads 6.57
